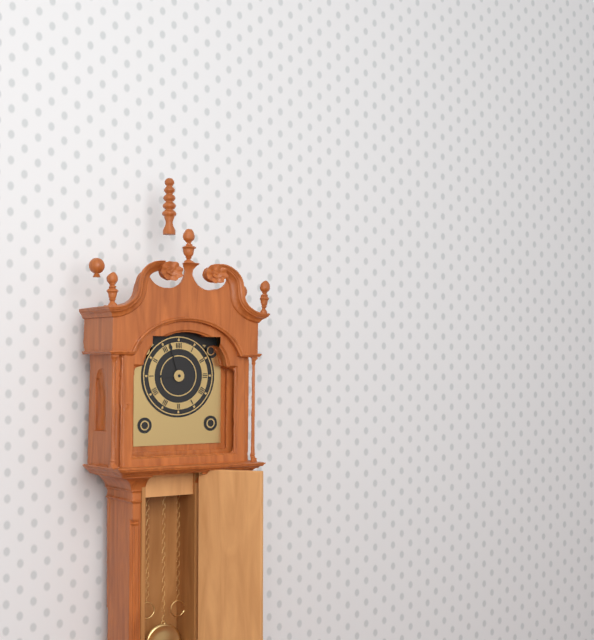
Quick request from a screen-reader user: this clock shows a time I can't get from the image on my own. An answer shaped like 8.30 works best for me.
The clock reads 8.57
